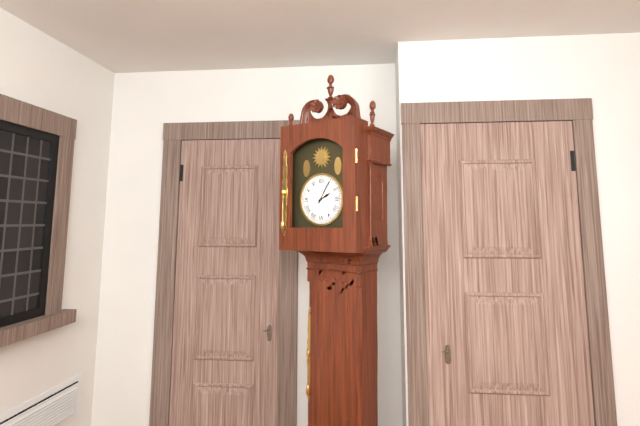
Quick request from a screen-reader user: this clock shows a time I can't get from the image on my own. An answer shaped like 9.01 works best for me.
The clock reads 2.05
